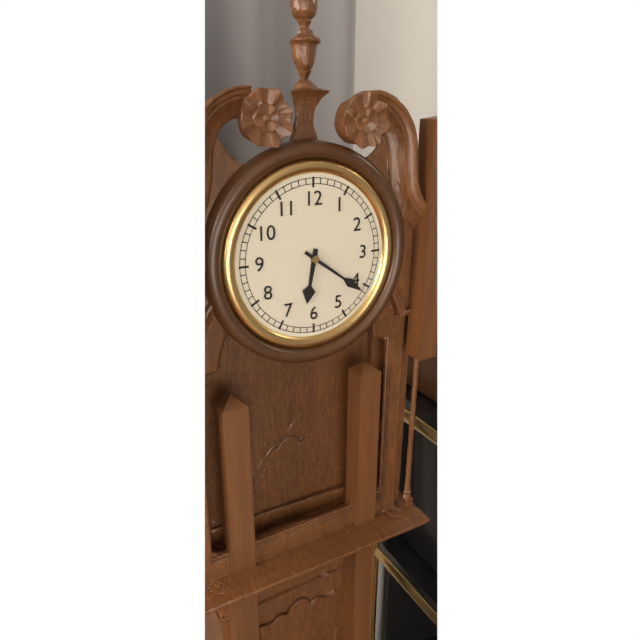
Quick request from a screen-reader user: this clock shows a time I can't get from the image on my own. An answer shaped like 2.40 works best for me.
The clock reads 6.21
